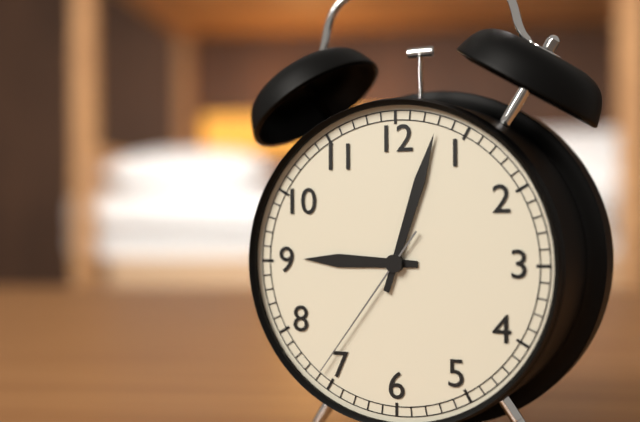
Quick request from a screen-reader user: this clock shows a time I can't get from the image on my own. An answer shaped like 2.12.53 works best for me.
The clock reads 9.03.36
